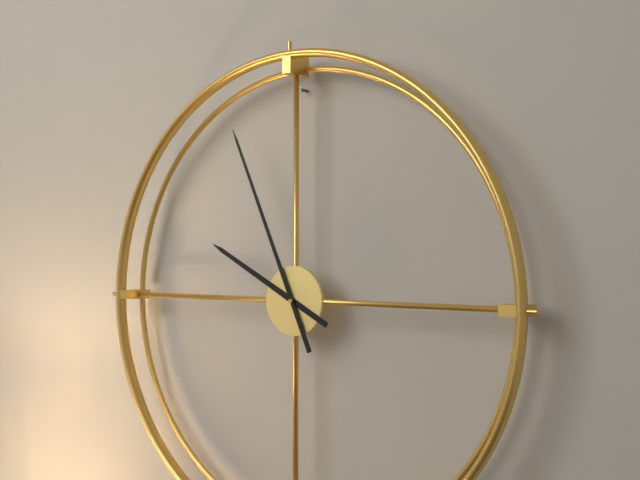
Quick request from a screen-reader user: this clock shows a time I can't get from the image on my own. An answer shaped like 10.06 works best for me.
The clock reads 9.56
